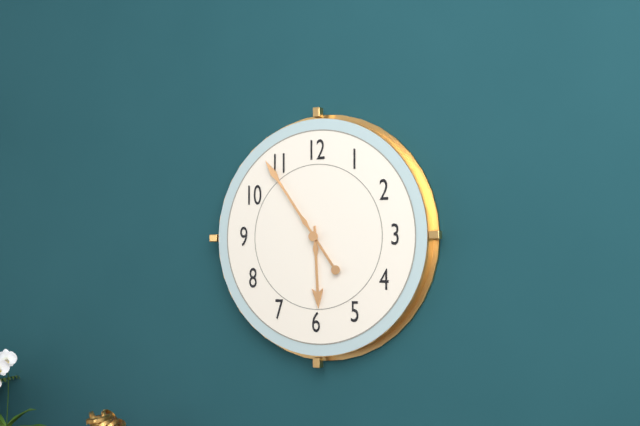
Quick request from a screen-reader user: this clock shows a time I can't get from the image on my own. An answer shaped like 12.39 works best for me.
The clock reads 5.54
